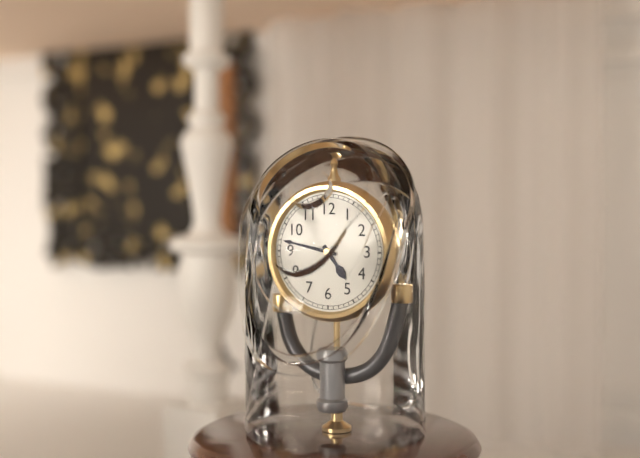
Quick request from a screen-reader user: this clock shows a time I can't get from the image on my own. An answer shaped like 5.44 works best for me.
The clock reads 4.47
